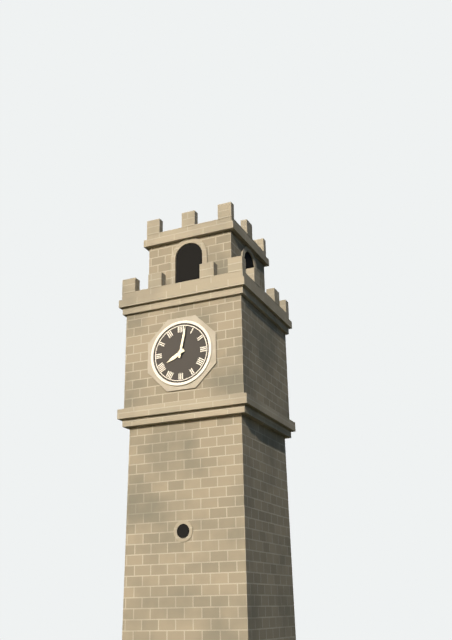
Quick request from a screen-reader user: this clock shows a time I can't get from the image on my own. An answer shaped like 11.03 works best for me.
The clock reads 8.02
